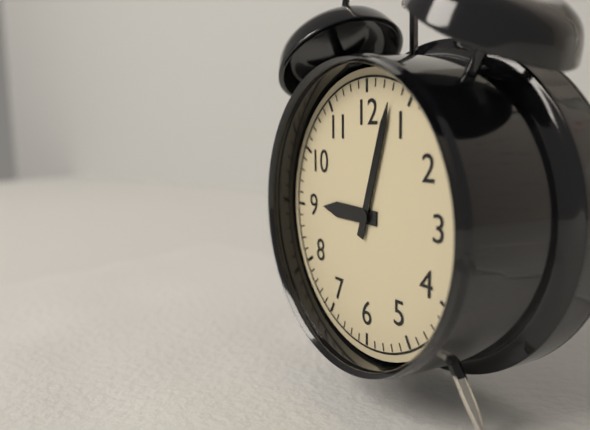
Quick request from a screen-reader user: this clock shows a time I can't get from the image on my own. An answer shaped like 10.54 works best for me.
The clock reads 9.03
